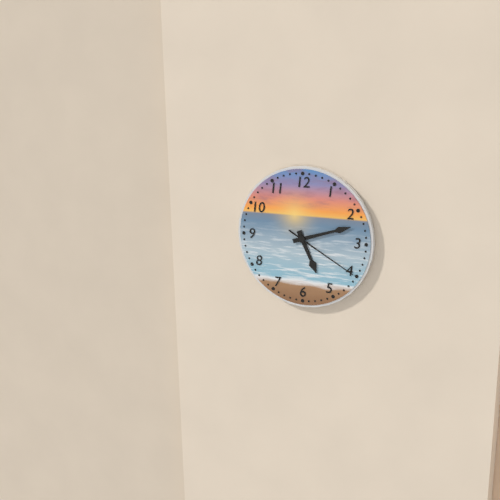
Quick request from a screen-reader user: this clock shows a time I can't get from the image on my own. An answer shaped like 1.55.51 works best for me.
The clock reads 5.12.20
